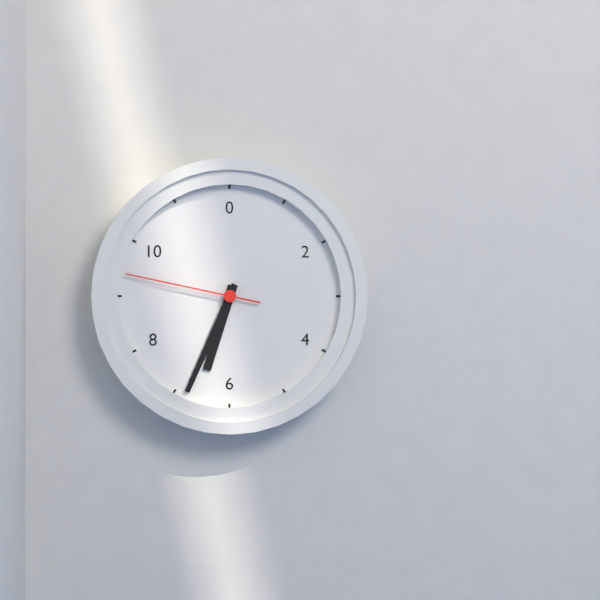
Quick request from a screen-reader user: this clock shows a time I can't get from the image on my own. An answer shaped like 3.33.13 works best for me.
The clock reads 6.34.47
